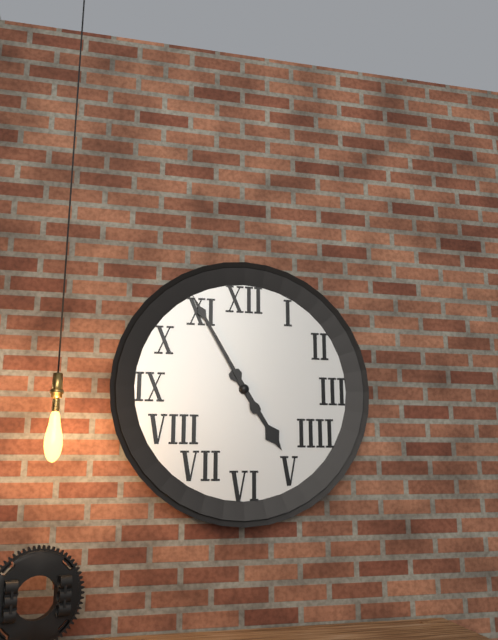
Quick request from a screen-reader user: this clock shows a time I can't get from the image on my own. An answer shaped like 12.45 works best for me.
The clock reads 4.55
